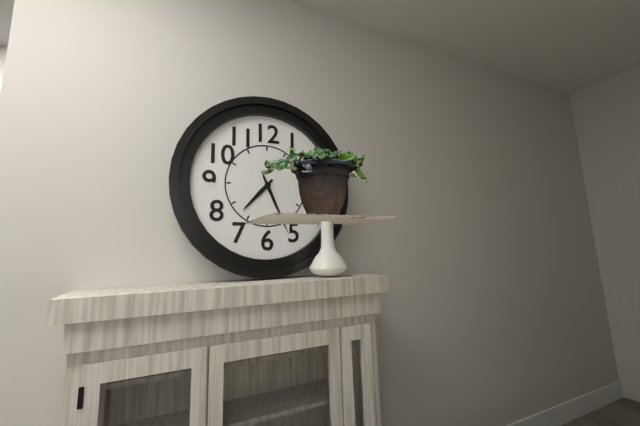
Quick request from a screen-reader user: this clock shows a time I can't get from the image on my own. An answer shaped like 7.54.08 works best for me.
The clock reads 7.26.26
